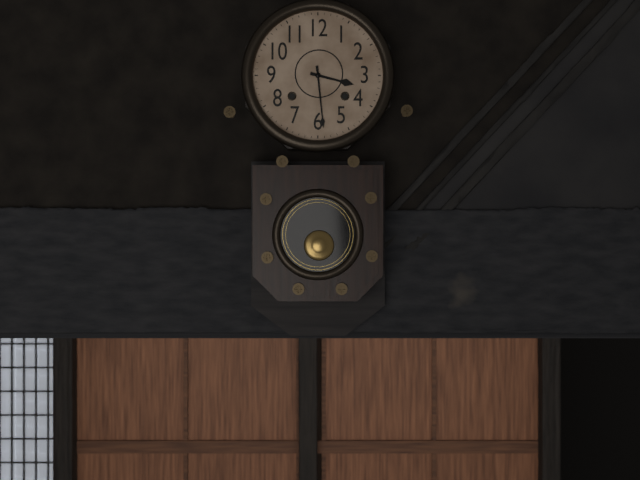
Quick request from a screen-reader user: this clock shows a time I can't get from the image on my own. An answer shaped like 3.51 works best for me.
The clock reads 3.29
